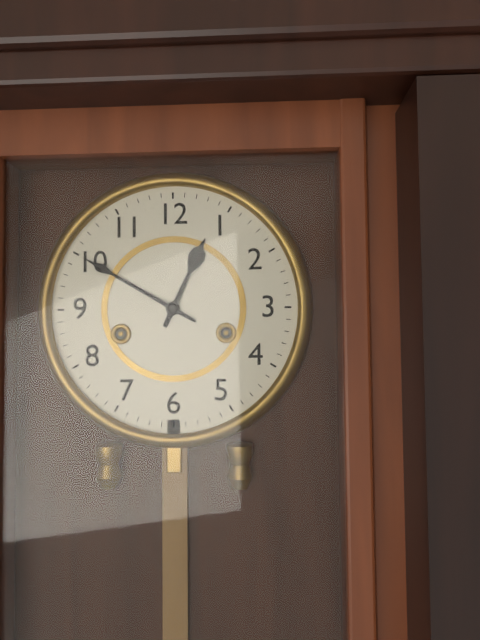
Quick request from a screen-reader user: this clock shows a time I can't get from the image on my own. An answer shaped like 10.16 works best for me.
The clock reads 12.50
